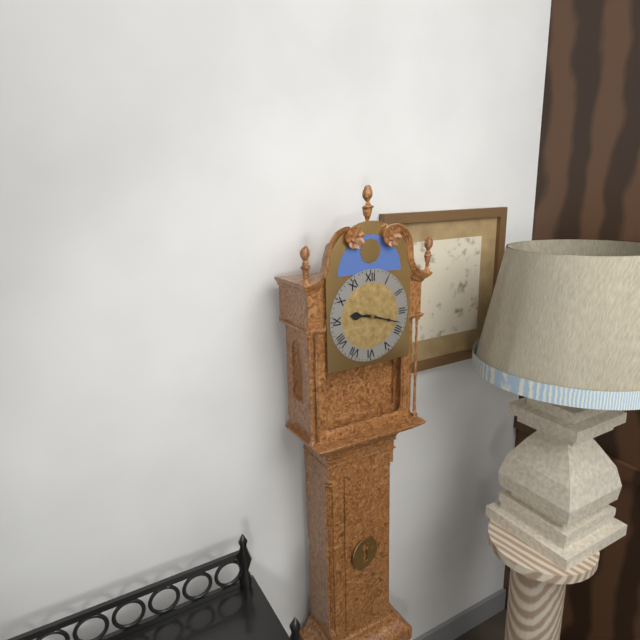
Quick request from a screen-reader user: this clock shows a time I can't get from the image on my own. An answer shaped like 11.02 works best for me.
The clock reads 9.18
